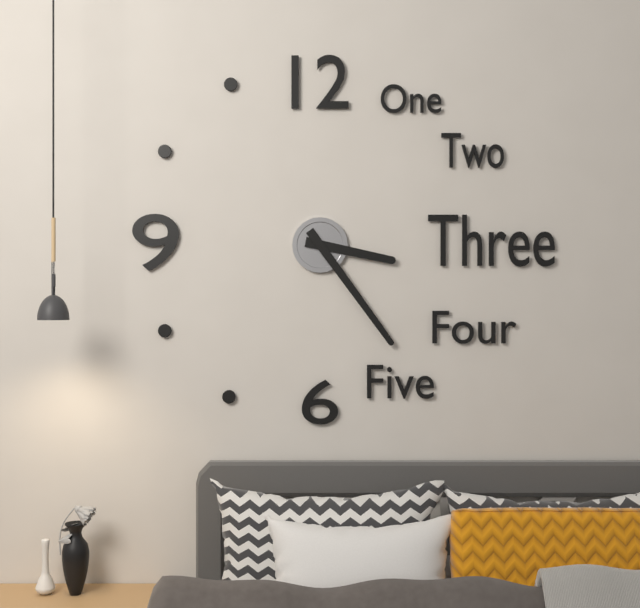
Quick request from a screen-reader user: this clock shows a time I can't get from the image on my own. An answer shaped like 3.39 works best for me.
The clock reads 3.24
